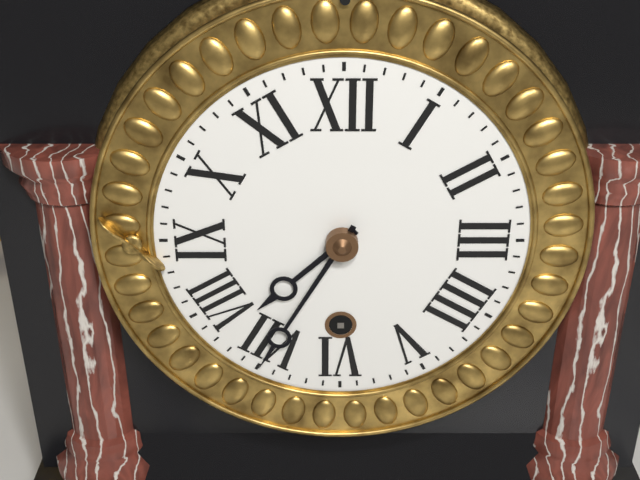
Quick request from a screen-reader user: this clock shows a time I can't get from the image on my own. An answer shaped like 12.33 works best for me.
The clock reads 7.35
